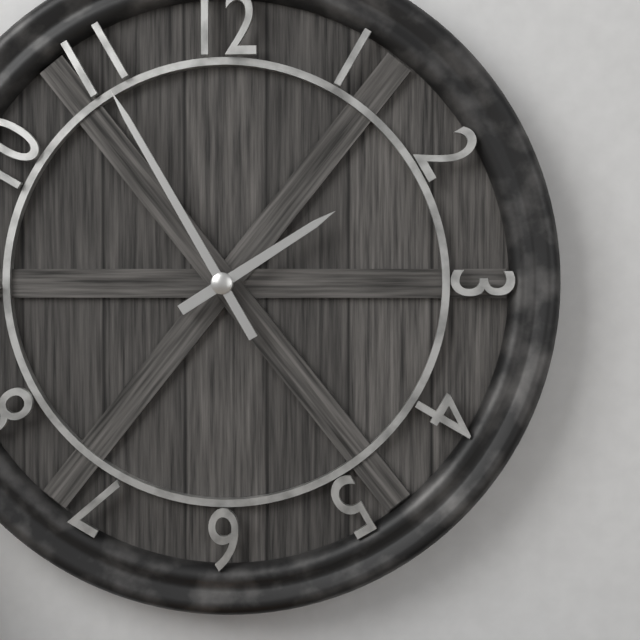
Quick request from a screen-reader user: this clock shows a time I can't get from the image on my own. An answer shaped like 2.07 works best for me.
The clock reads 1.55
